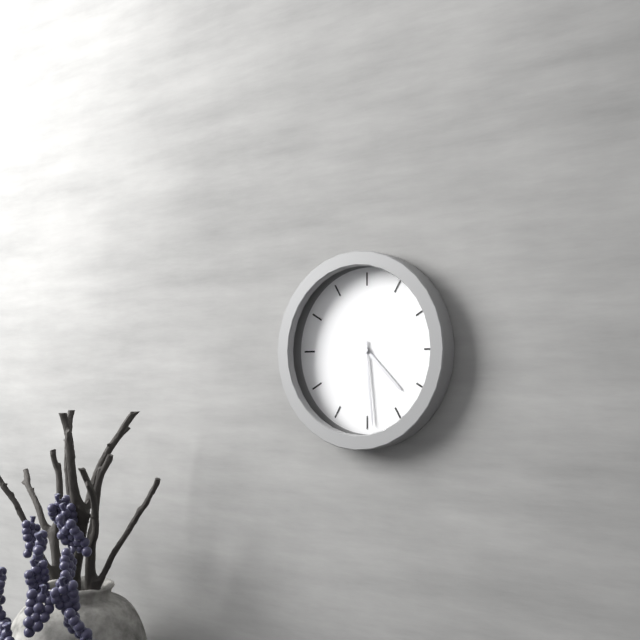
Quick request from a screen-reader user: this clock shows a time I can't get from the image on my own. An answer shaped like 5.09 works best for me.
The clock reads 4.29
